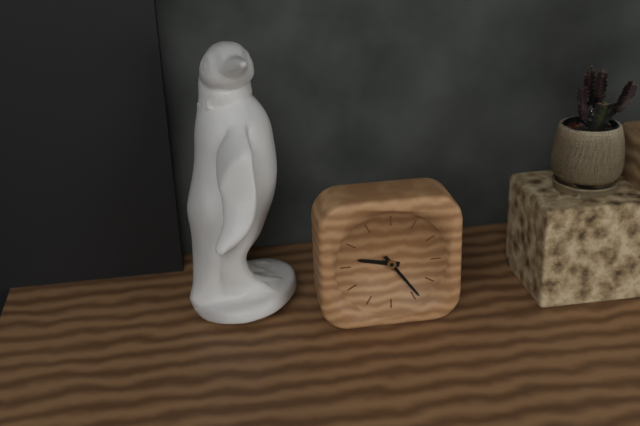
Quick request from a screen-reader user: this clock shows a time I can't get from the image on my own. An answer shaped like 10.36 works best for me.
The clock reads 9.24
